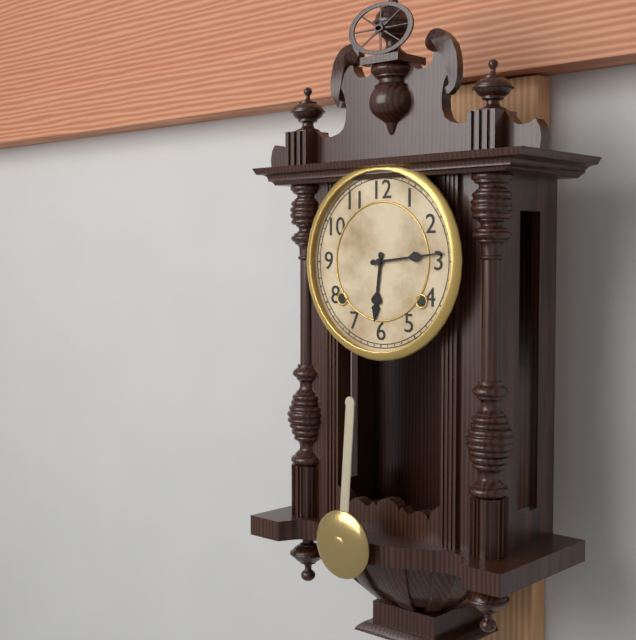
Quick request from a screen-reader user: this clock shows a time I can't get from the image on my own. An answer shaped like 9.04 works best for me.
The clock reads 6.14
